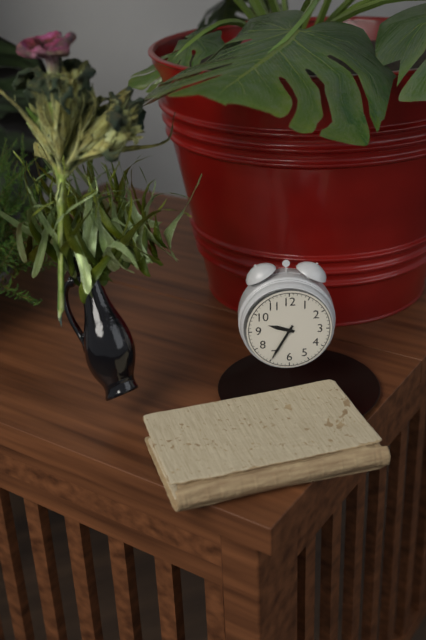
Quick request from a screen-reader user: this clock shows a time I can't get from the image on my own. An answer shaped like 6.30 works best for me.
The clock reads 9.35
